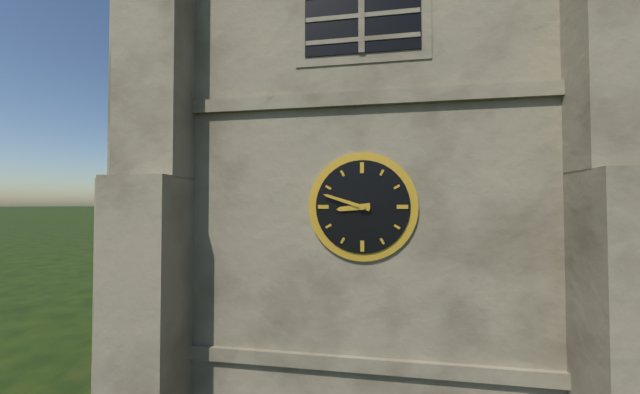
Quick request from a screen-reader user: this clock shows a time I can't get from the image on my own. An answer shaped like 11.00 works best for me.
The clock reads 8.48
